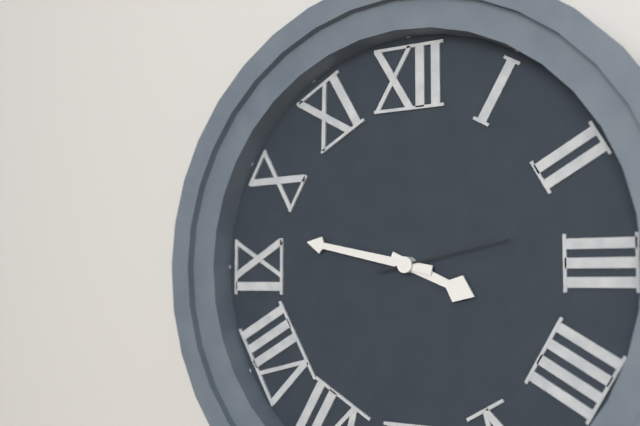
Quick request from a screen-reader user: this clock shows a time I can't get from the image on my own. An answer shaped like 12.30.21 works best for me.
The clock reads 3.47.13
